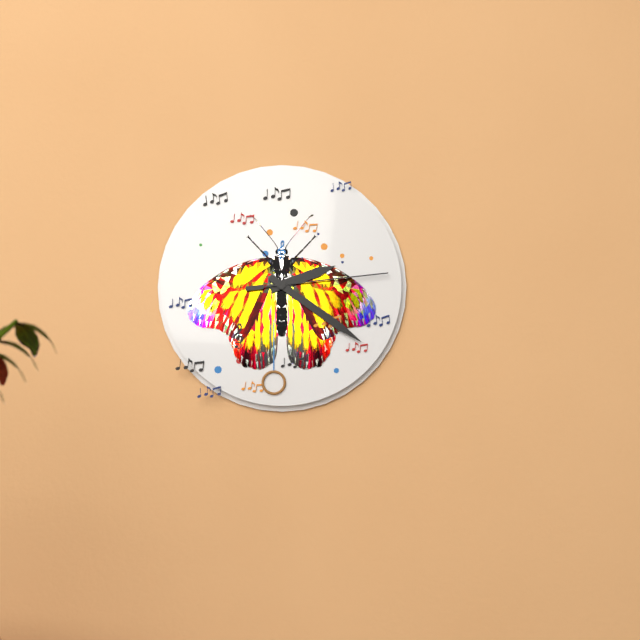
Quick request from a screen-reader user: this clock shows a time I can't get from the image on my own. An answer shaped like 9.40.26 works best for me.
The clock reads 2.21.14
